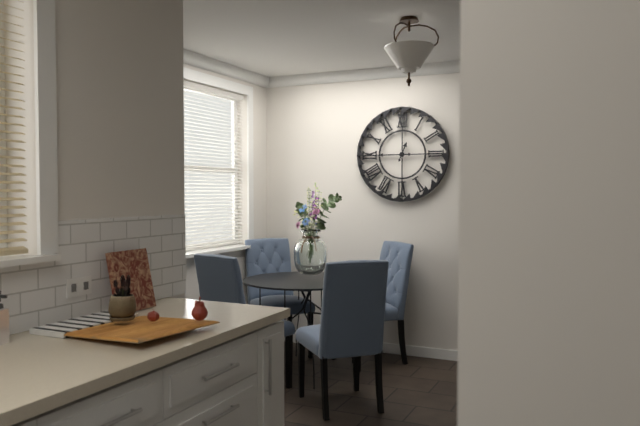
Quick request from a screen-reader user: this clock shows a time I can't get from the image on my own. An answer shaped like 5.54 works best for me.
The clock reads 12.45
